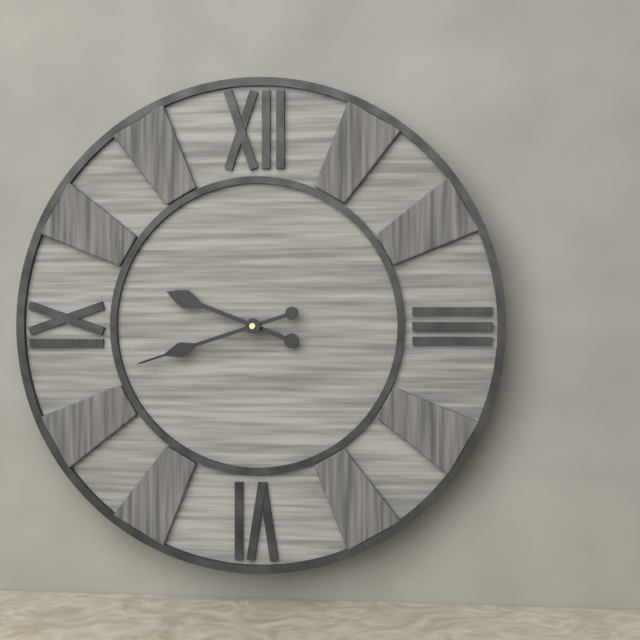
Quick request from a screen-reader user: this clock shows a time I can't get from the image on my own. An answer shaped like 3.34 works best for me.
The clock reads 9.42
